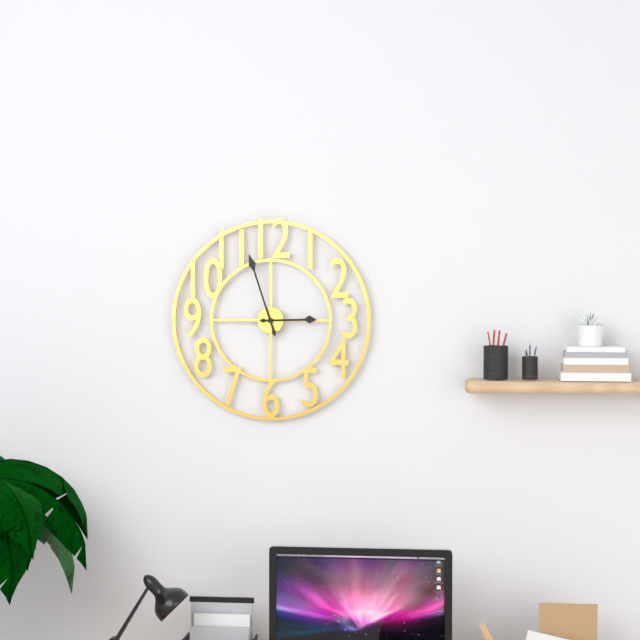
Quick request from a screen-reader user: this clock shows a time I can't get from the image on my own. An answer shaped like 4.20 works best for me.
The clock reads 2.57
